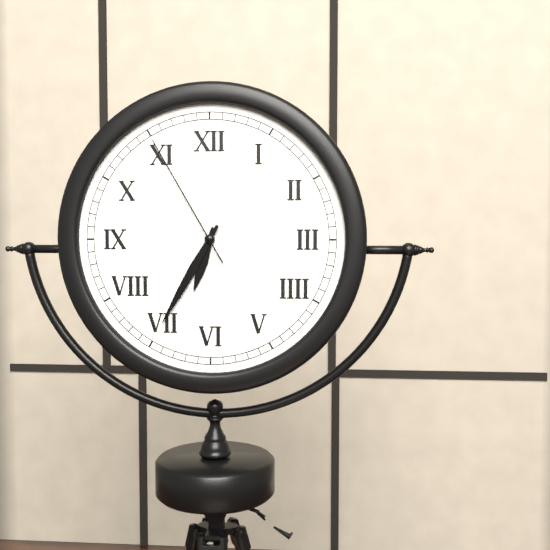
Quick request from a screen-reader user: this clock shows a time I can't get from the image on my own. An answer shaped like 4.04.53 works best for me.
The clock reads 6.35.55
